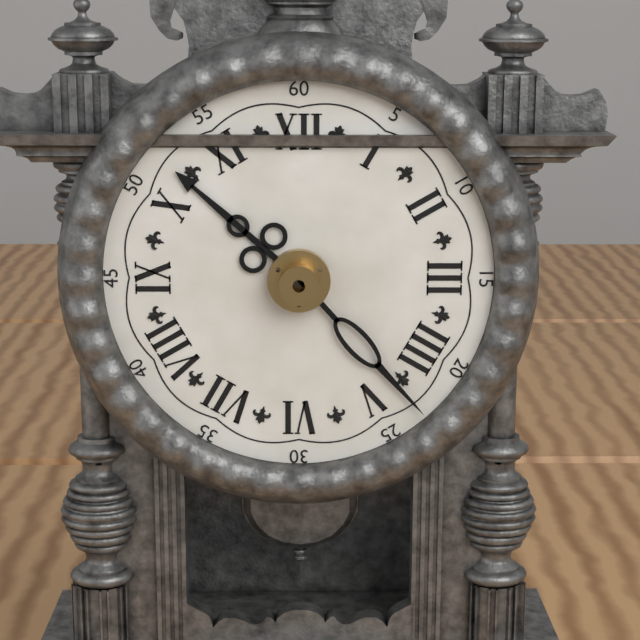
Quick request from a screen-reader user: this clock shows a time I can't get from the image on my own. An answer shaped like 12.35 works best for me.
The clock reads 10.23
